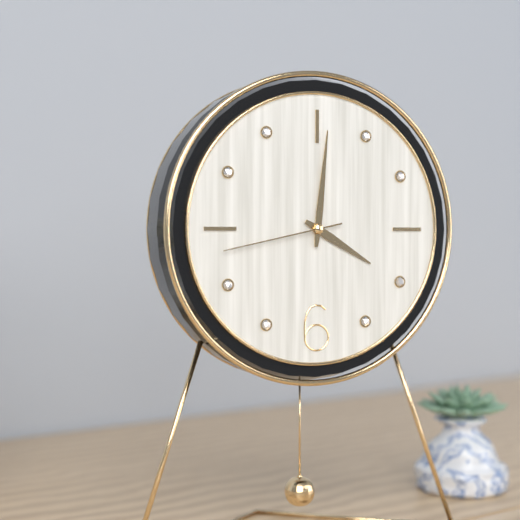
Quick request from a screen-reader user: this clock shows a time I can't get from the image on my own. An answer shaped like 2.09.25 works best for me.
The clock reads 4.01.43
